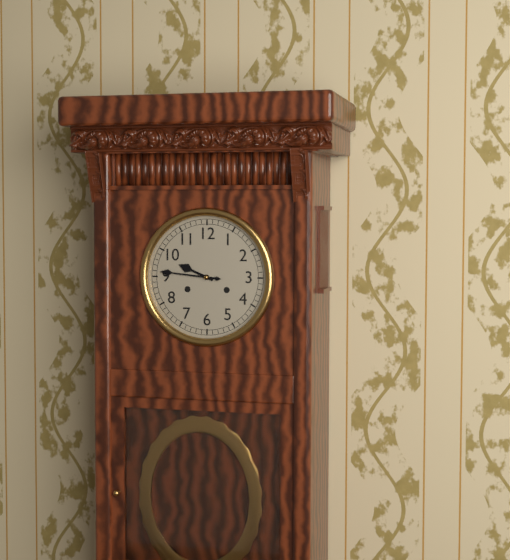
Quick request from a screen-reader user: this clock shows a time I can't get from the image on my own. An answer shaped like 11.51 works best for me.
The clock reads 9.46
